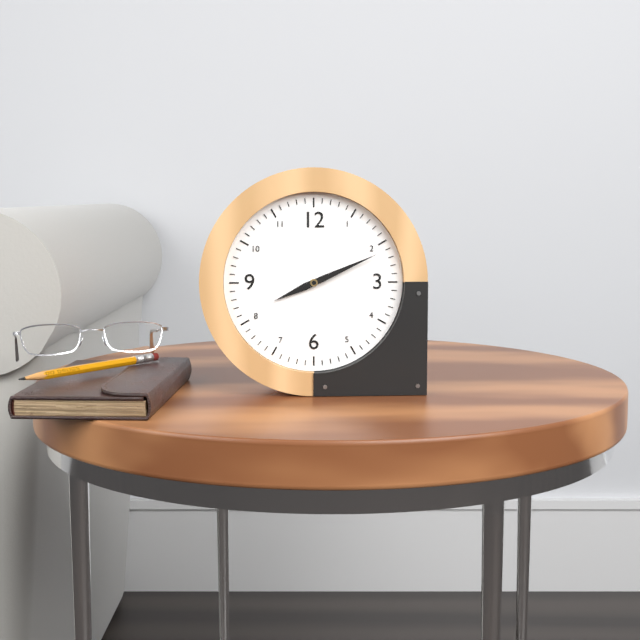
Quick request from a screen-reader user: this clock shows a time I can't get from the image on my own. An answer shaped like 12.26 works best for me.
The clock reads 8.11
